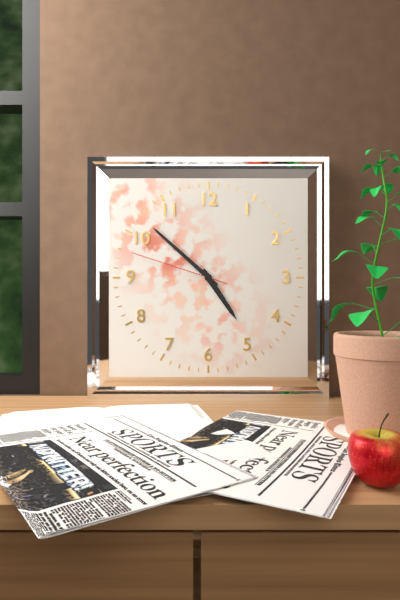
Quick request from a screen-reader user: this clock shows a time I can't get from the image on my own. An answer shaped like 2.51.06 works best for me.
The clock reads 4.52.48
